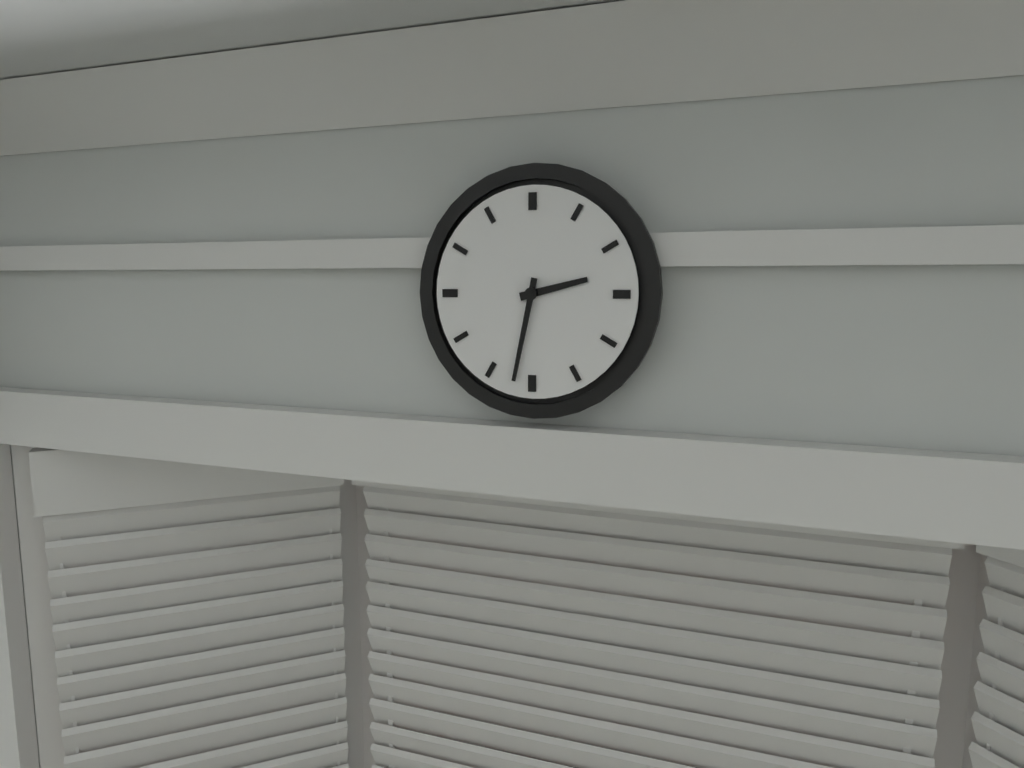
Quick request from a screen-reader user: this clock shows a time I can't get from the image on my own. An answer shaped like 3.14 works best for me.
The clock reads 2.32
